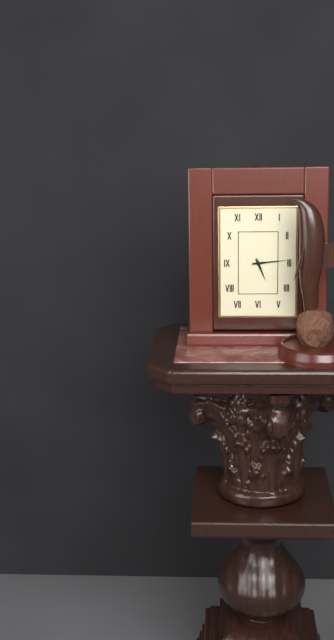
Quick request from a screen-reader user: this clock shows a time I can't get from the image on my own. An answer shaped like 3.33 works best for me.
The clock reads 5.14
